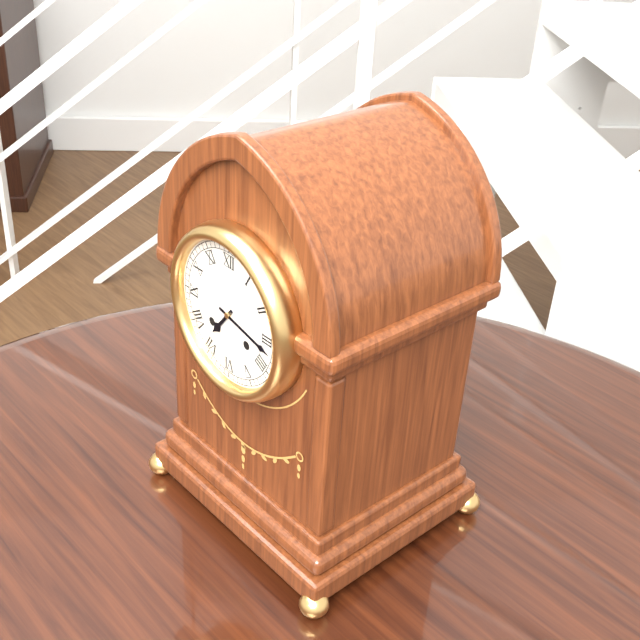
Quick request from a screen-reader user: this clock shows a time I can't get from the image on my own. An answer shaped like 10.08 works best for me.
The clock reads 7.17
